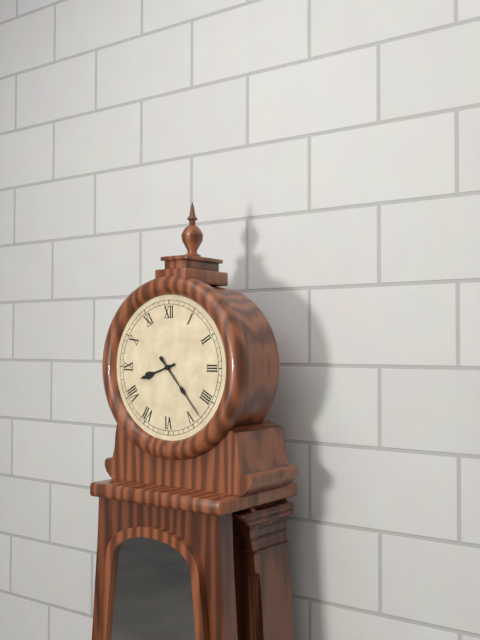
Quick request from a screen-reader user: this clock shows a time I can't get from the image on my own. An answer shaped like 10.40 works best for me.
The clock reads 8.23
